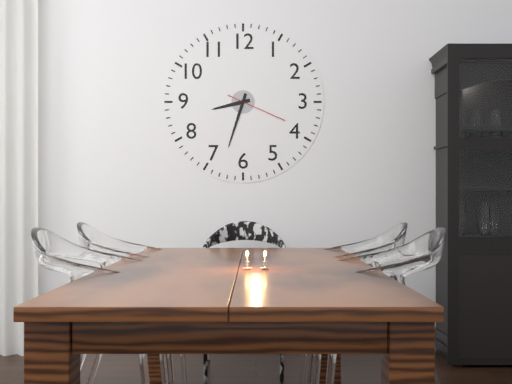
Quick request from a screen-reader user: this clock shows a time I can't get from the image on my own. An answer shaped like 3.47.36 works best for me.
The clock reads 8.33.19
